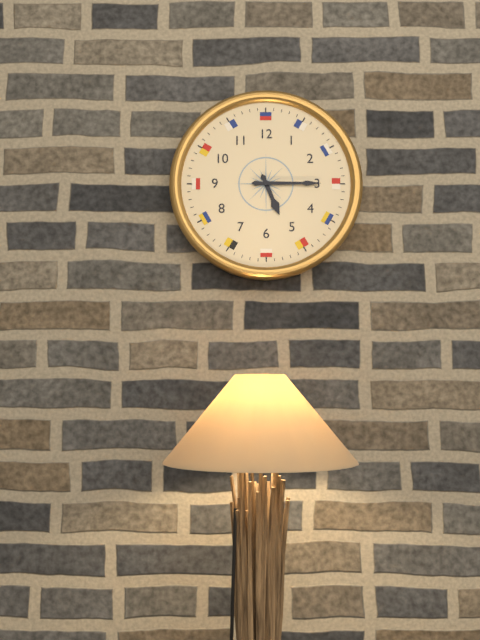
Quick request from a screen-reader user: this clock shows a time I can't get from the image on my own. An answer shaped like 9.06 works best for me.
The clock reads 5.15
